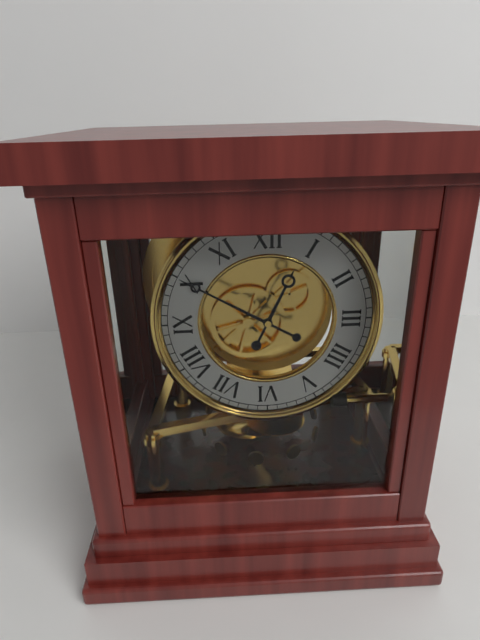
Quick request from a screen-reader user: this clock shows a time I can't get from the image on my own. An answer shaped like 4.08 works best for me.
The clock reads 12.50
